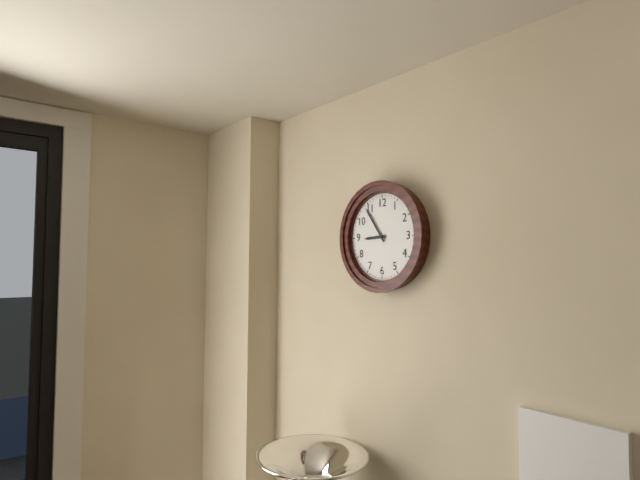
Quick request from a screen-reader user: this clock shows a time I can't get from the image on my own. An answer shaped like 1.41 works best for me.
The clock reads 8.54
